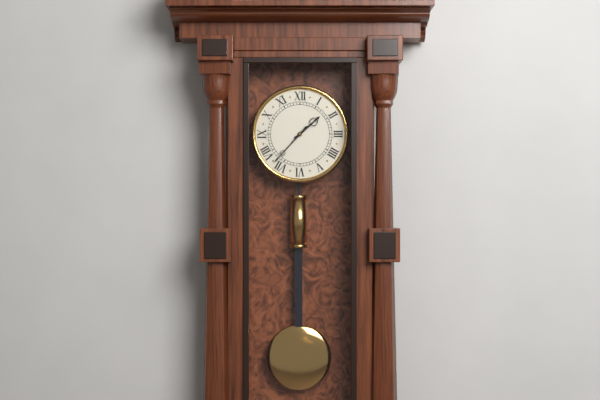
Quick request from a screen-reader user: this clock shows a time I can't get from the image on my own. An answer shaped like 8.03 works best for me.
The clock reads 1.37
